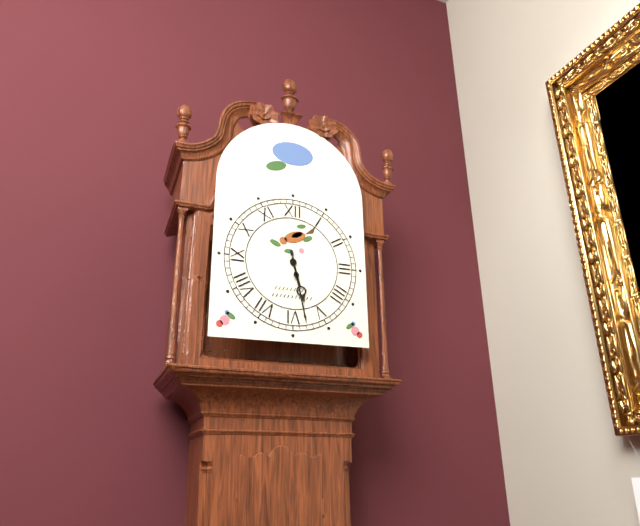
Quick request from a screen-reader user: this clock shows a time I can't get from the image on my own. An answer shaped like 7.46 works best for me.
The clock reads 5.28
